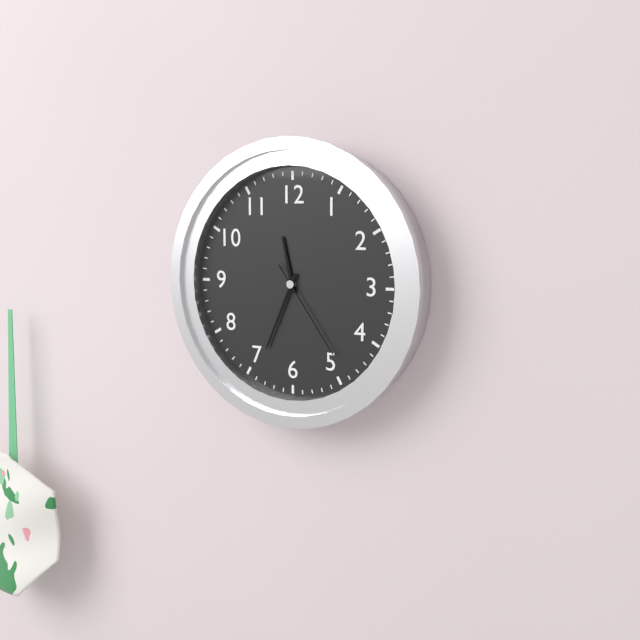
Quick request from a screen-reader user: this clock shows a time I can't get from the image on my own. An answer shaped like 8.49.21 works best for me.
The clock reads 11.34.24
